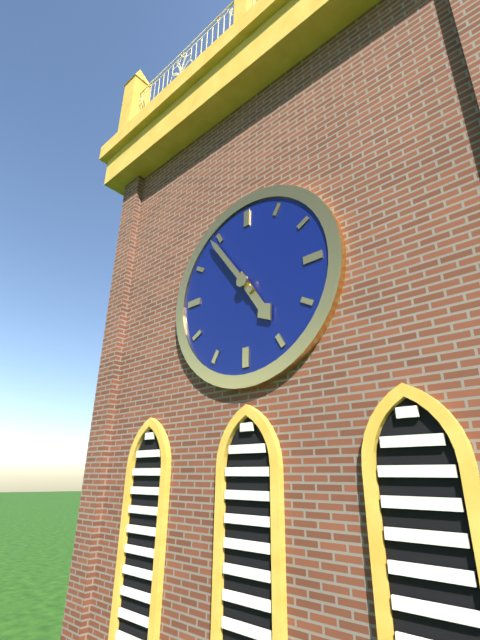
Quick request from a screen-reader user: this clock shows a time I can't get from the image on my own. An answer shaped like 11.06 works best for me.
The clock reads 4.54
